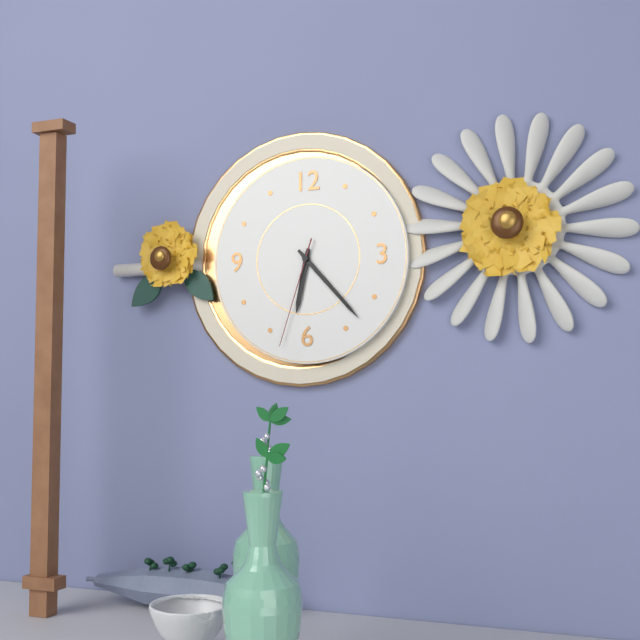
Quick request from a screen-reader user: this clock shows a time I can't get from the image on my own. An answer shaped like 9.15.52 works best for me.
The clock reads 6.23.33
